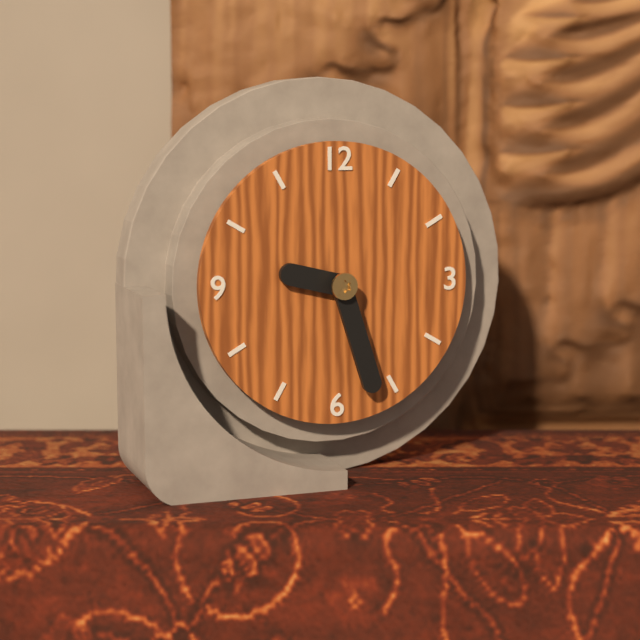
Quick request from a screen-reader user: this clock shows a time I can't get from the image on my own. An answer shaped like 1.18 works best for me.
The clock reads 9.27
